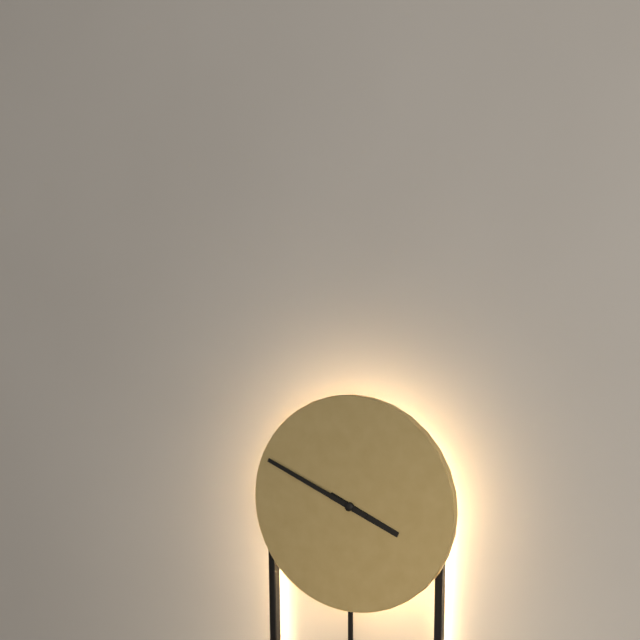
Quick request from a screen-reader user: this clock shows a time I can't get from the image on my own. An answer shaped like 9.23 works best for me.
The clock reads 3.49
